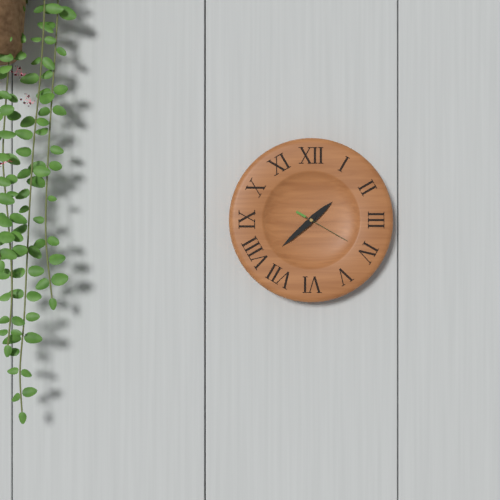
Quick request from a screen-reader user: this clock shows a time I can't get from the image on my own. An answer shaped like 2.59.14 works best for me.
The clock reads 1.38.20
